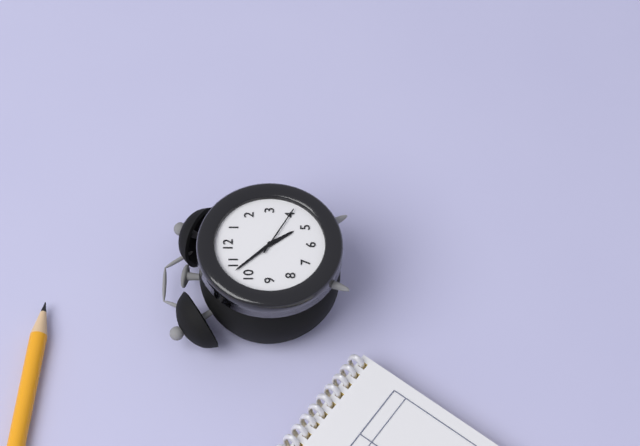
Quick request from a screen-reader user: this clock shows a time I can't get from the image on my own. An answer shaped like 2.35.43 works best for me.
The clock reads 4.53.20
